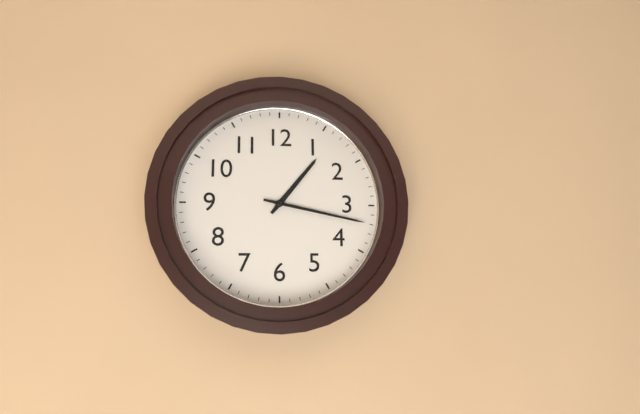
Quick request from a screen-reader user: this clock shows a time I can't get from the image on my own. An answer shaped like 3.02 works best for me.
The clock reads 1.17
